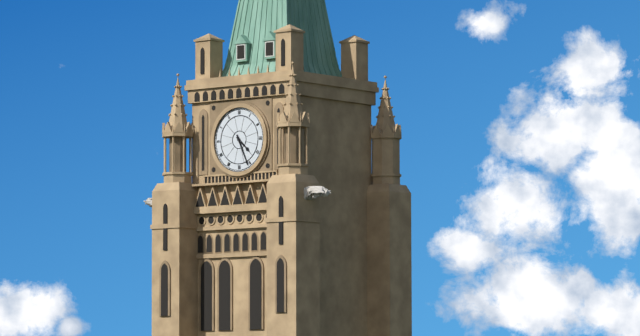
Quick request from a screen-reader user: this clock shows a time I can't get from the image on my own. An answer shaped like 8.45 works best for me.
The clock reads 4.26
